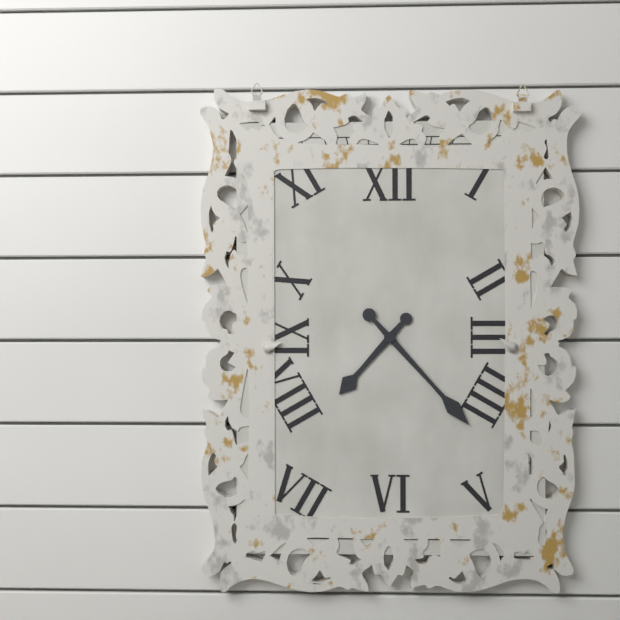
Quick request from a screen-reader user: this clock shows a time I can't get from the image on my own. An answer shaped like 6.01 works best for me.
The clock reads 7.23
